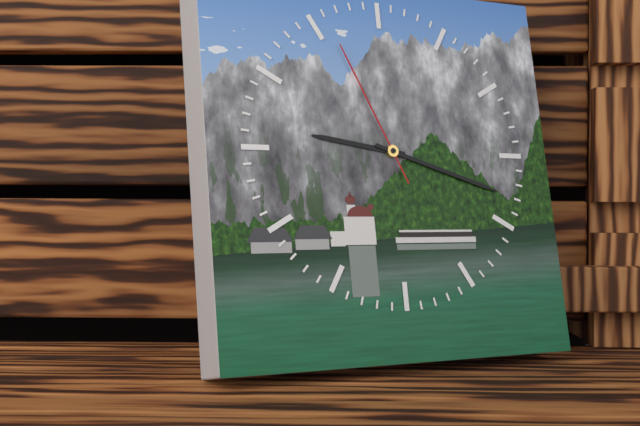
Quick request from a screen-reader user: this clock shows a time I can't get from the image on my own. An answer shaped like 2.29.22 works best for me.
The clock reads 9.18.56
